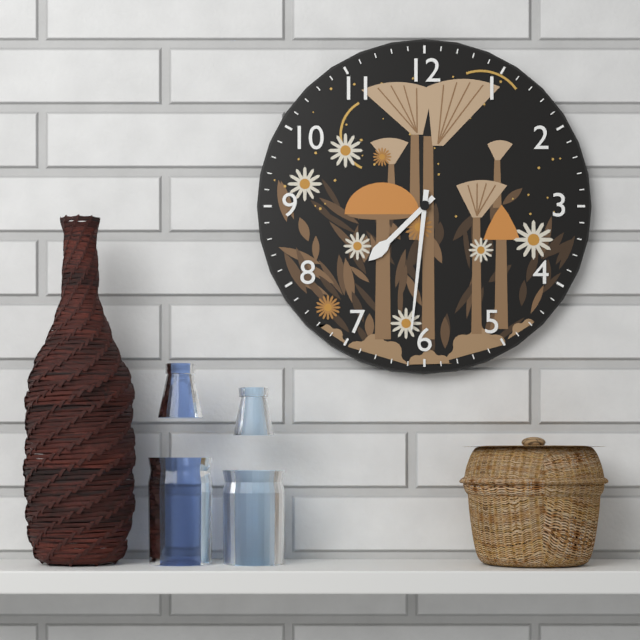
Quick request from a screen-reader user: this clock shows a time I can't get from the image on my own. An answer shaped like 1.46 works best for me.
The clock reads 7.31
